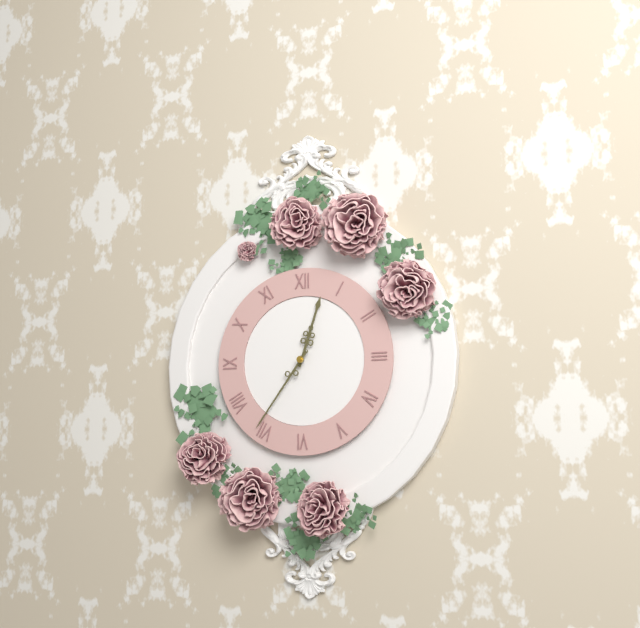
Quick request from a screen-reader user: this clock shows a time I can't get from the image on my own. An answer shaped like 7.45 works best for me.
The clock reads 12.36
